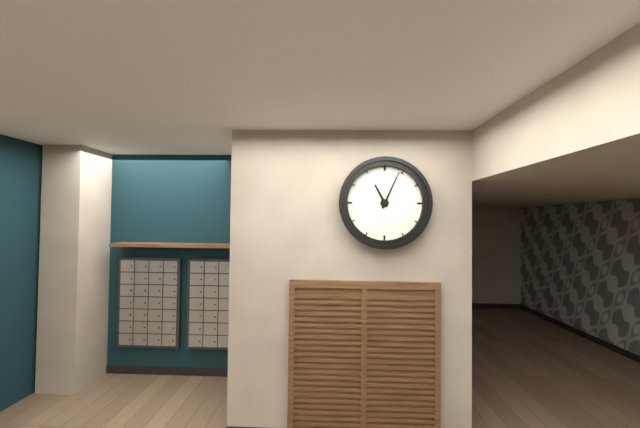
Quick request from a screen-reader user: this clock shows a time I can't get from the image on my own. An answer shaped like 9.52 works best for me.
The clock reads 11.04
